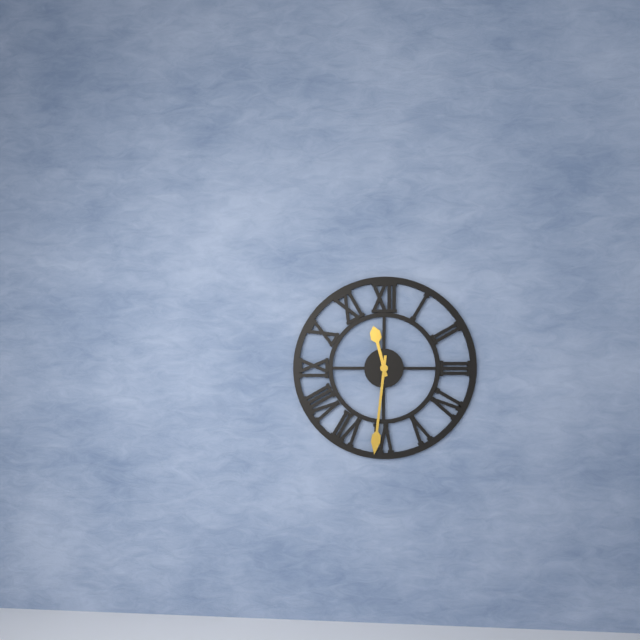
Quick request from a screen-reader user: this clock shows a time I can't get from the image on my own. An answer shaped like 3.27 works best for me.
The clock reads 11.31
